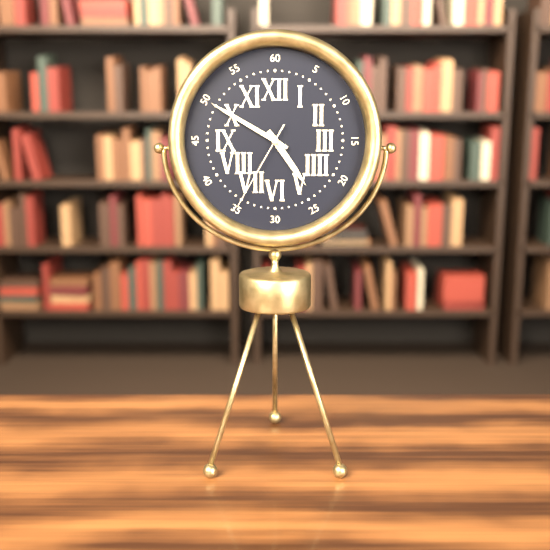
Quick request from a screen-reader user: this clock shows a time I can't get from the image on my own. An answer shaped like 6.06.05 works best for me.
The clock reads 4.50.35
